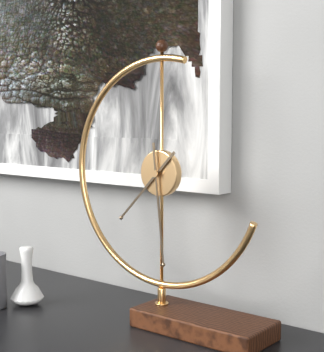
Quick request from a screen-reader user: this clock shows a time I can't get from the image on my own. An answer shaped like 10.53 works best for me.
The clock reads 7.29
